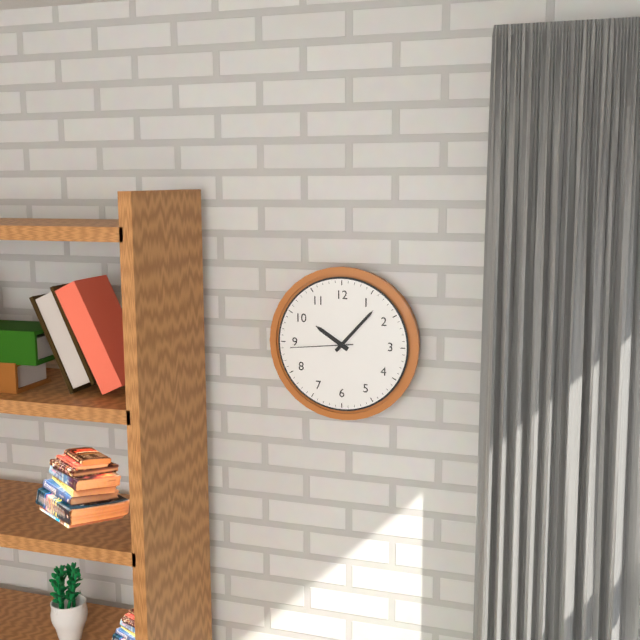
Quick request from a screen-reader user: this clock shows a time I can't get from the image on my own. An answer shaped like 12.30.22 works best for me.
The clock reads 10.07.44
